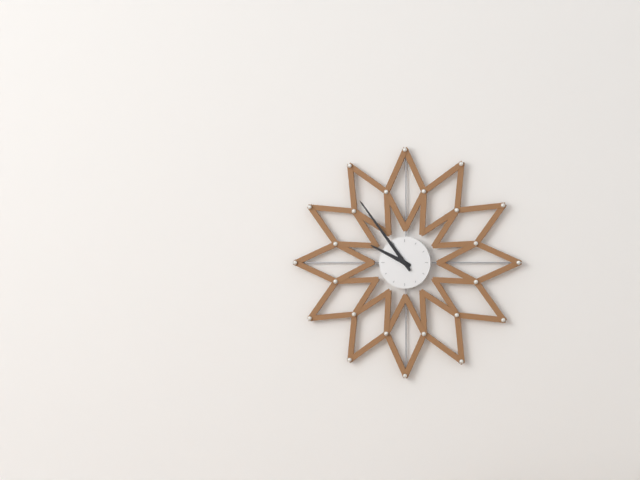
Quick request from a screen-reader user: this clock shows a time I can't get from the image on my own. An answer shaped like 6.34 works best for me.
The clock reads 9.54
